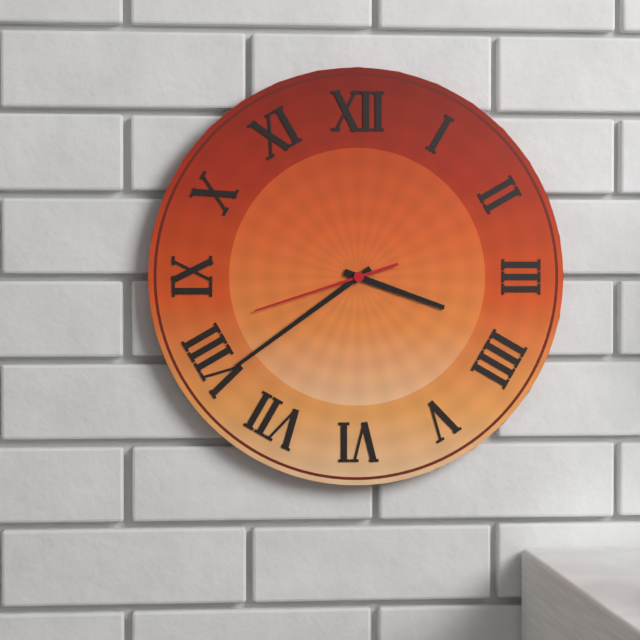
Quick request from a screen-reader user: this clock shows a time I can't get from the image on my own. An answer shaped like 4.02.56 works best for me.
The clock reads 3.39.42
